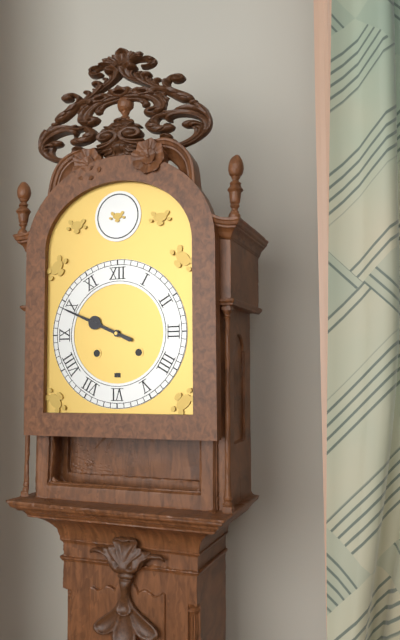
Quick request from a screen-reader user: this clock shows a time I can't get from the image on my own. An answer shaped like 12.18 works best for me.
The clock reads 9.49
